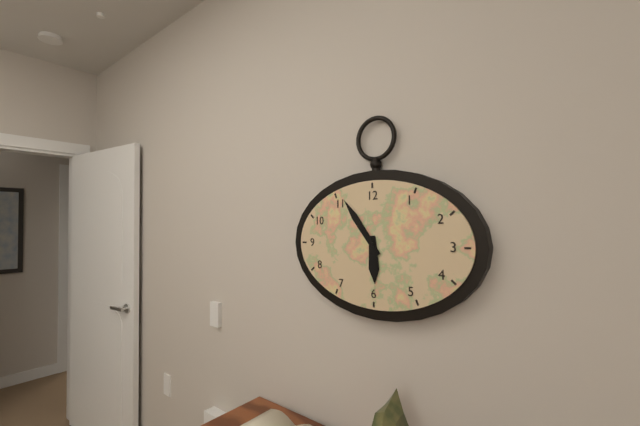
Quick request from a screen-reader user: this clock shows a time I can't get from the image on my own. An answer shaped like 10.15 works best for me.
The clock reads 5.54
